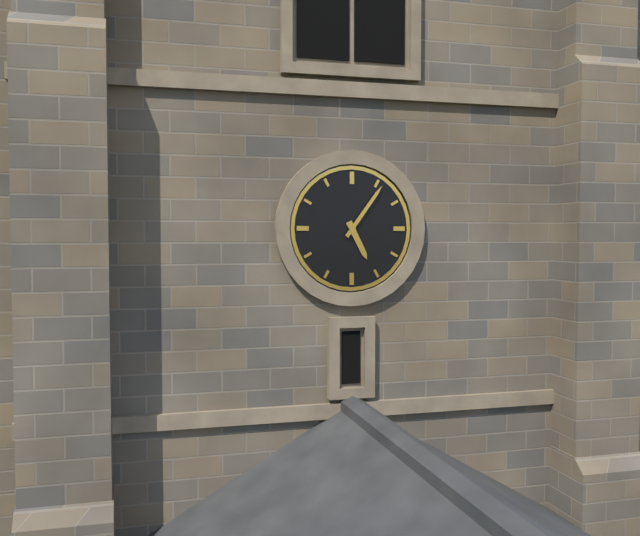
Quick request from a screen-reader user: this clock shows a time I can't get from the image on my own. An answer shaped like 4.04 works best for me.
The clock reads 5.06
